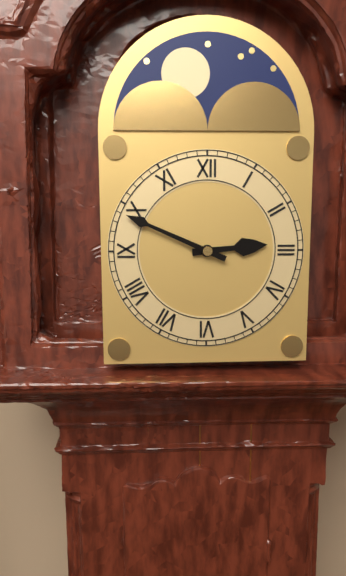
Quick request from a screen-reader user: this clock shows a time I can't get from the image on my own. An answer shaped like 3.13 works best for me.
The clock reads 2.49
